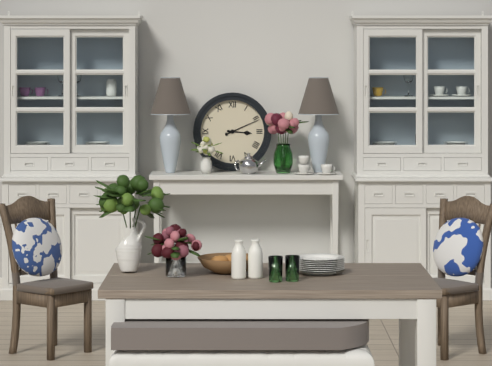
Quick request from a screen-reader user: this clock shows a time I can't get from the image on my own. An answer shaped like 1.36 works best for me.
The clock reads 3.11
